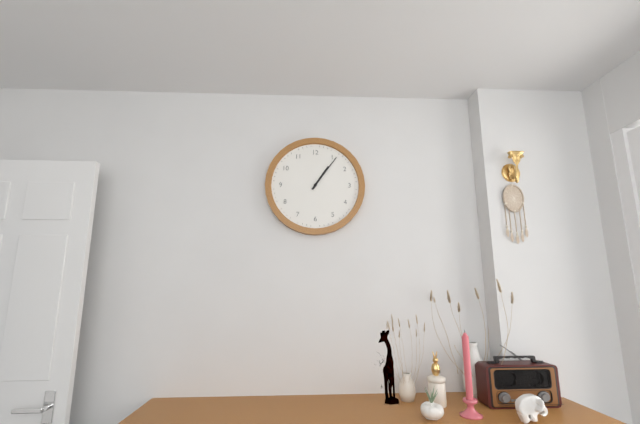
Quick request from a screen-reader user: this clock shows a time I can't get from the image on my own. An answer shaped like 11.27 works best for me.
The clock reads 1.06
